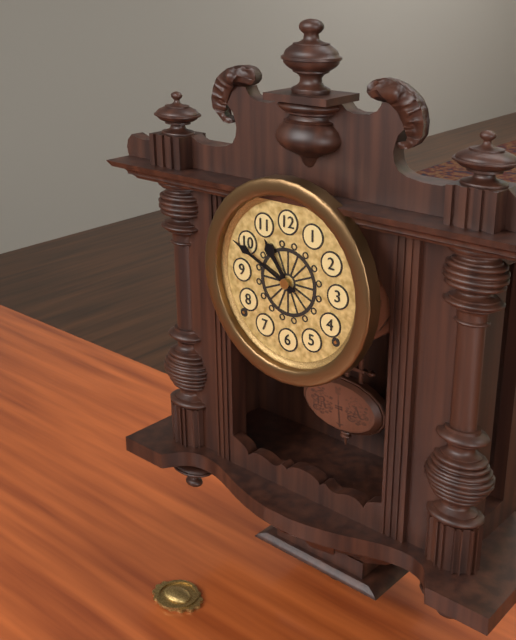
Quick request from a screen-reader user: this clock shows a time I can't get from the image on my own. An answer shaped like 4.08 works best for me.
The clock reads 10.49
